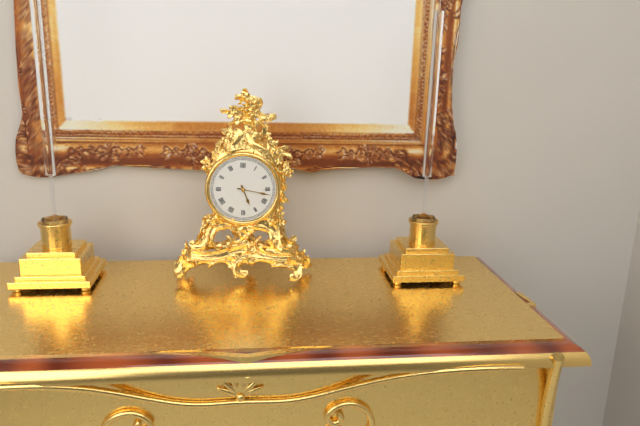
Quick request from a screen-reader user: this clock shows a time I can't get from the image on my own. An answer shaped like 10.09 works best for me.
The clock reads 5.17
